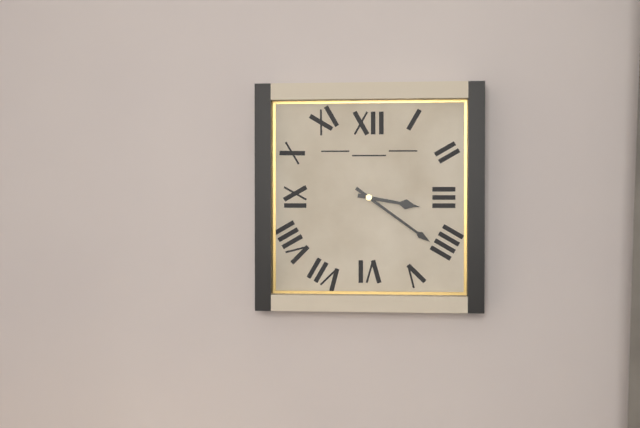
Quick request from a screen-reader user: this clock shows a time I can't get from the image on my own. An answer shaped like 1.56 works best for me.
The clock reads 3.21
